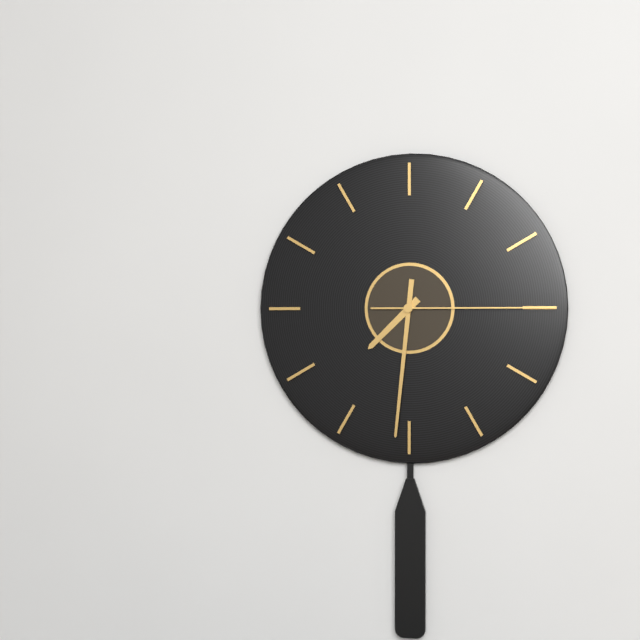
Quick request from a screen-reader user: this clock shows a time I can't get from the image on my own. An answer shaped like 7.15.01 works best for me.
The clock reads 7.31.15
